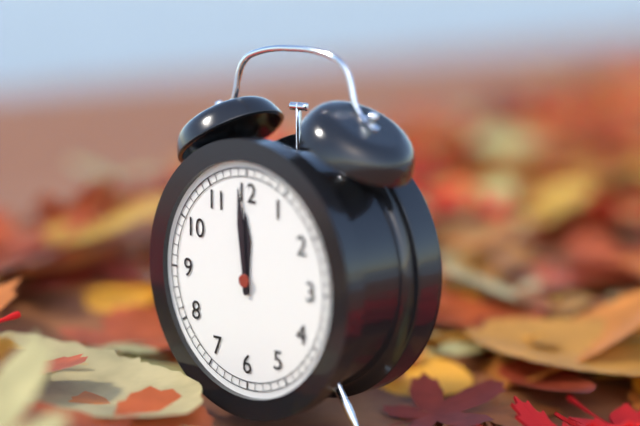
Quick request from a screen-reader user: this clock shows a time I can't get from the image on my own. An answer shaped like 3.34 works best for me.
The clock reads 11.59
